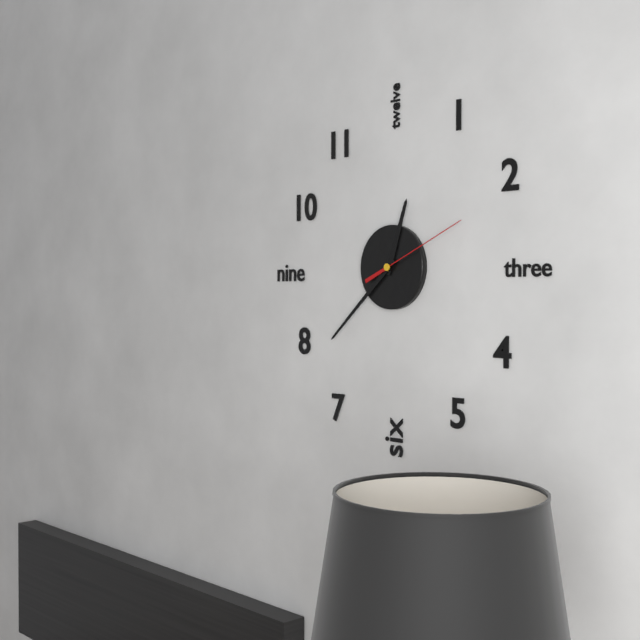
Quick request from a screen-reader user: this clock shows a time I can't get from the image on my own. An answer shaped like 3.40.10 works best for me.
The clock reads 12.38.11
